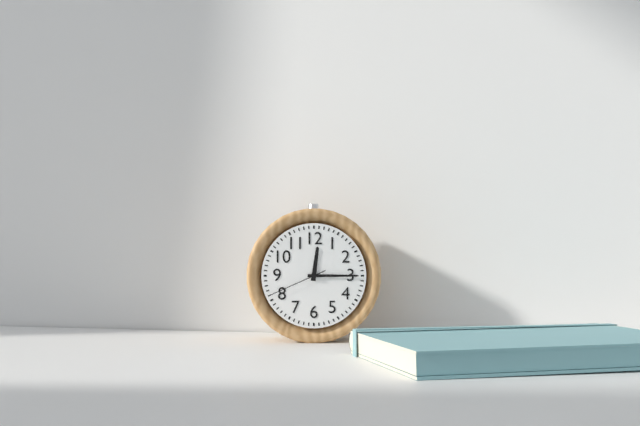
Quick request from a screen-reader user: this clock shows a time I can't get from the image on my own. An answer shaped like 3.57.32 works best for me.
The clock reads 12.15.41
